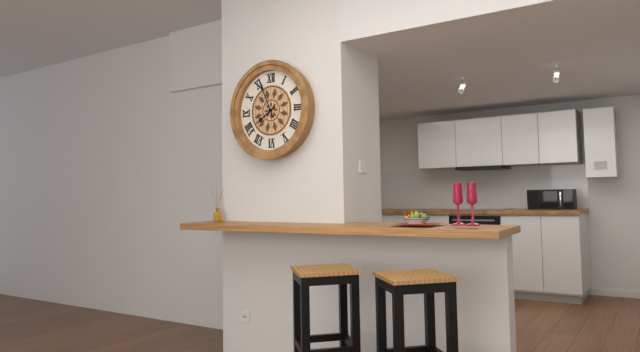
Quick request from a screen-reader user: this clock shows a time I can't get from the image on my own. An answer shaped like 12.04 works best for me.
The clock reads 7.56
